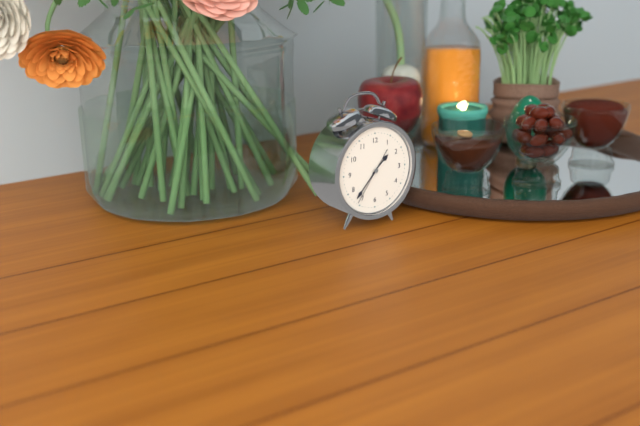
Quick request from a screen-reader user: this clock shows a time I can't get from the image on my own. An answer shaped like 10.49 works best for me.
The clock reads 1.37
